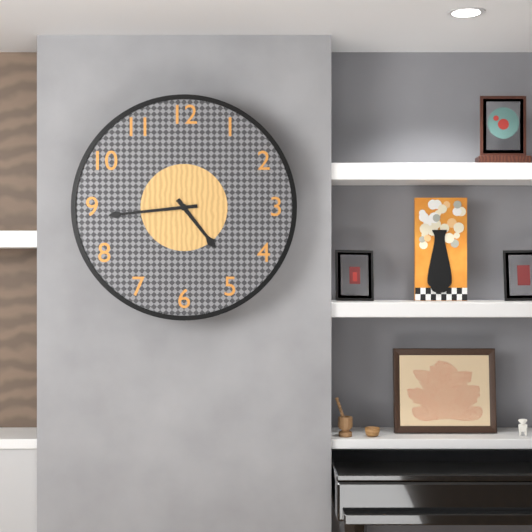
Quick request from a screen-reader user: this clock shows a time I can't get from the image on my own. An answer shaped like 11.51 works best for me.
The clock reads 4.44
